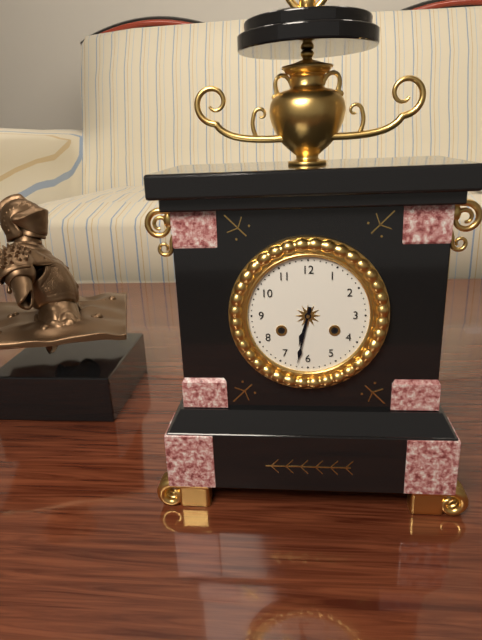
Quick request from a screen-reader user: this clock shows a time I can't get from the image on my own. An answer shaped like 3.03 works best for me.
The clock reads 6.32
